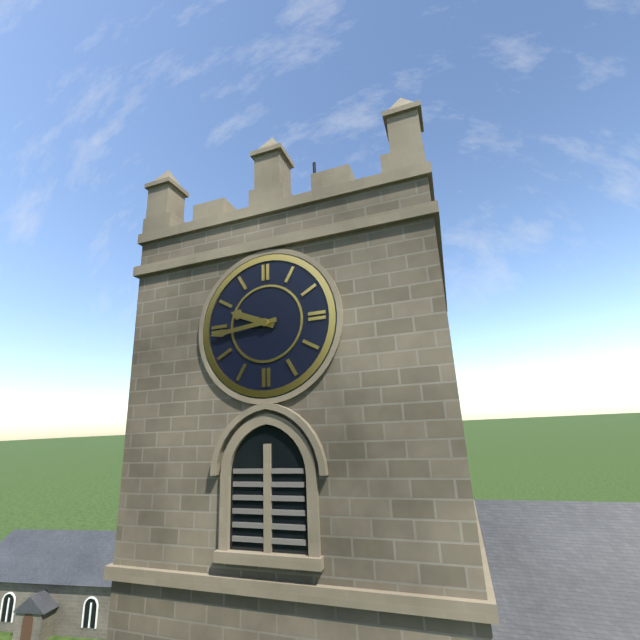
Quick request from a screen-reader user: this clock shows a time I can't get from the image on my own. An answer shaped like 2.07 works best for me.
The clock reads 9.44
